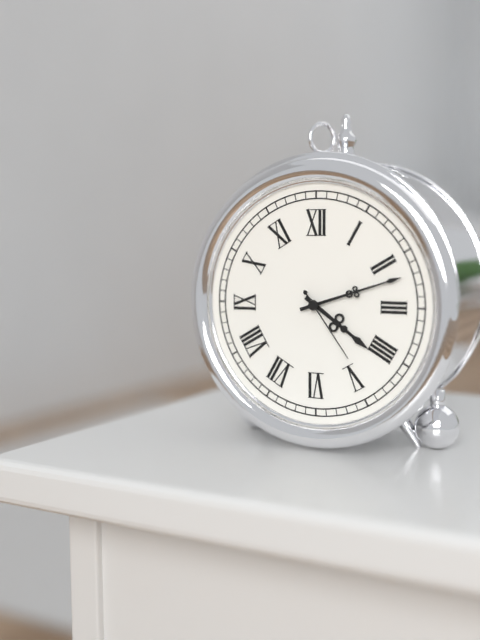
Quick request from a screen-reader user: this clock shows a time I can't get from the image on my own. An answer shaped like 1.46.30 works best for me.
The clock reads 4.12.24
